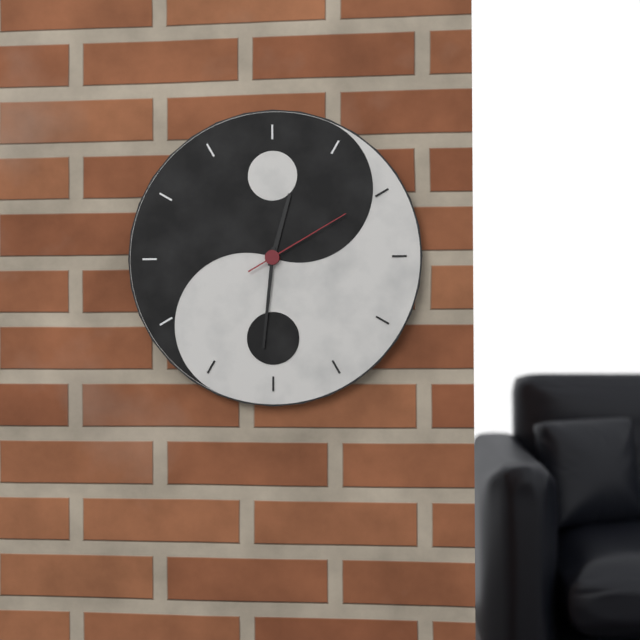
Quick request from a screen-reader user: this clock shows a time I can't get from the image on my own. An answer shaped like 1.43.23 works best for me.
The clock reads 12.31.10
